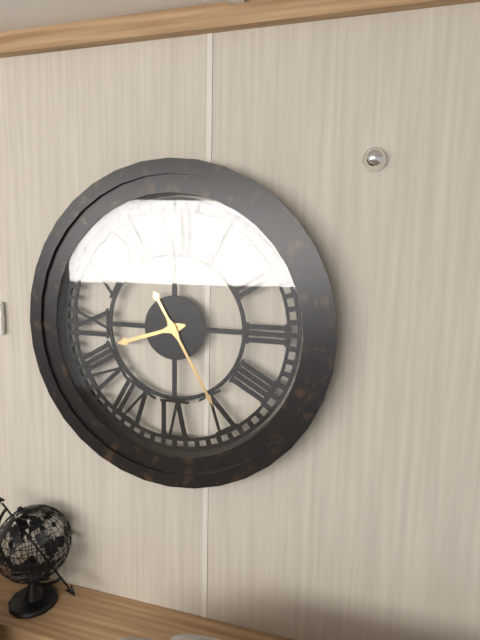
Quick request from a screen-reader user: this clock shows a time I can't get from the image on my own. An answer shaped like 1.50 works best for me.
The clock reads 8.25
